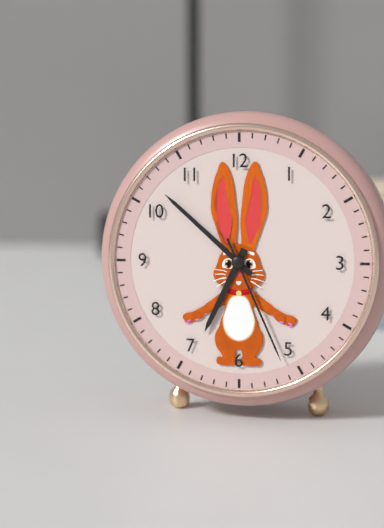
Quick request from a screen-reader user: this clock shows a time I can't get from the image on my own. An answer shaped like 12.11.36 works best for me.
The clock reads 6.52.26
